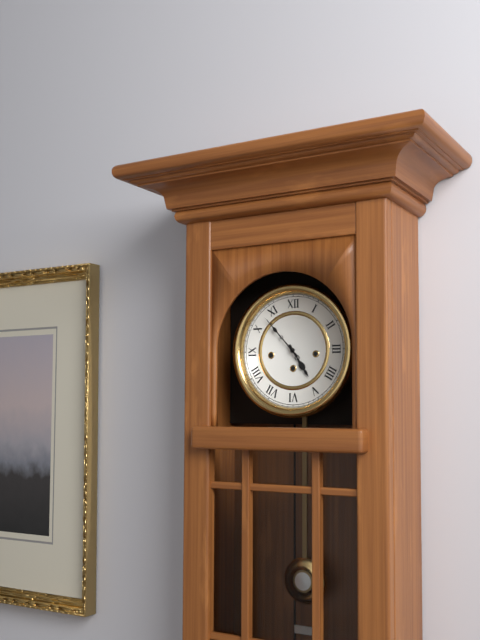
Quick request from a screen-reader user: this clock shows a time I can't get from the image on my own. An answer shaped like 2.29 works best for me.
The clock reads 4.53
